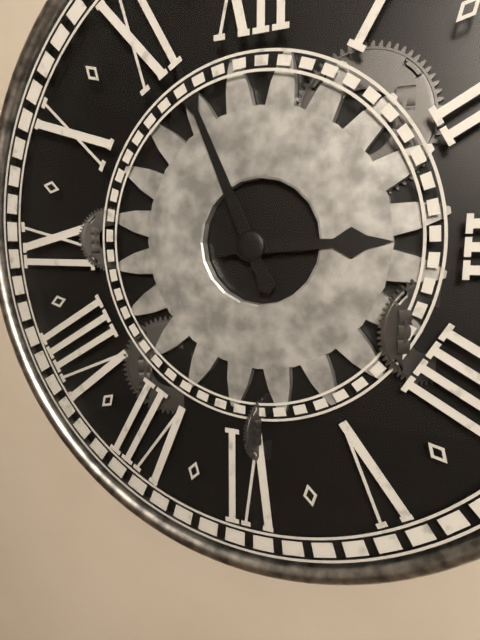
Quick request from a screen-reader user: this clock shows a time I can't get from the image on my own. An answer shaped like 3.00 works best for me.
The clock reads 2.56
